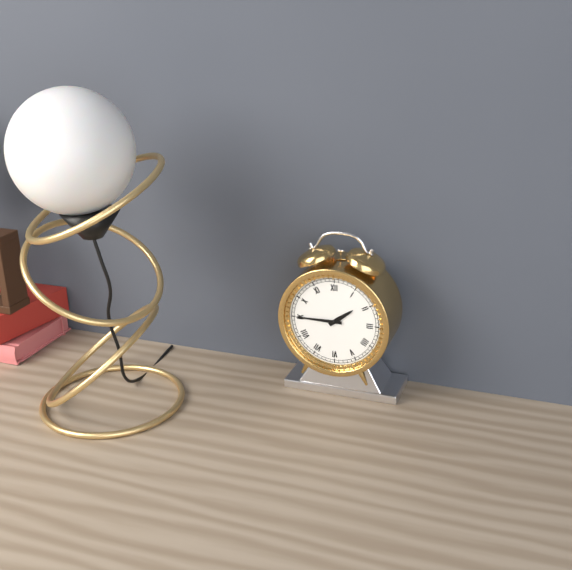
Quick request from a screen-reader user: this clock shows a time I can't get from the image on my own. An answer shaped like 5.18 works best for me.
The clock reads 1.45
